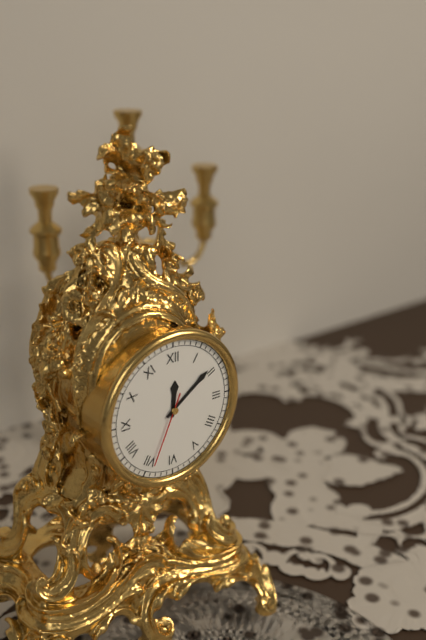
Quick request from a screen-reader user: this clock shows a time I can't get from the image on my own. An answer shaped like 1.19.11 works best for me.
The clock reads 12.09.34
